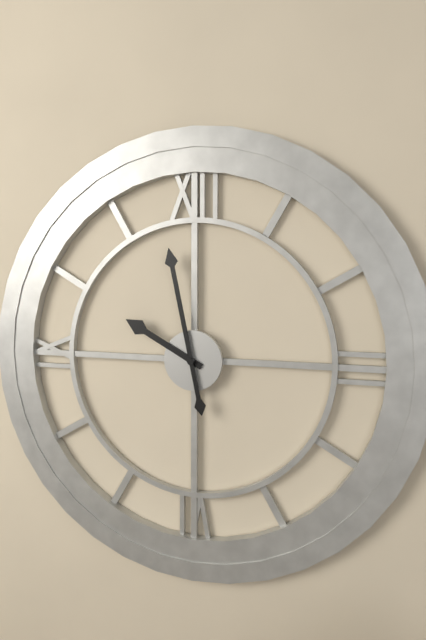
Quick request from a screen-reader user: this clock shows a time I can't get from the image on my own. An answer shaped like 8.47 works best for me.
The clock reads 9.58
